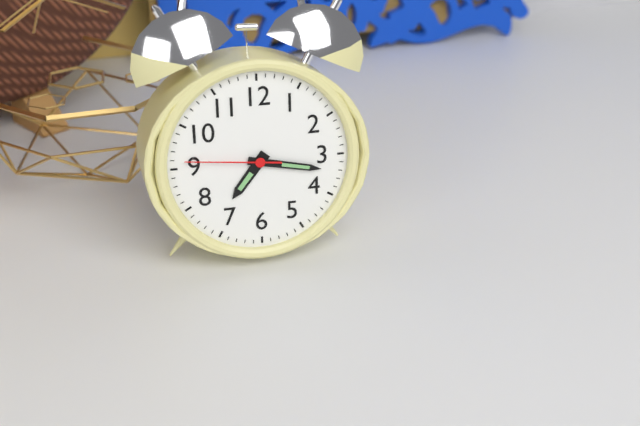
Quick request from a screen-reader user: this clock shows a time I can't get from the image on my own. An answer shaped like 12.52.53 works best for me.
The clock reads 7.17.46
